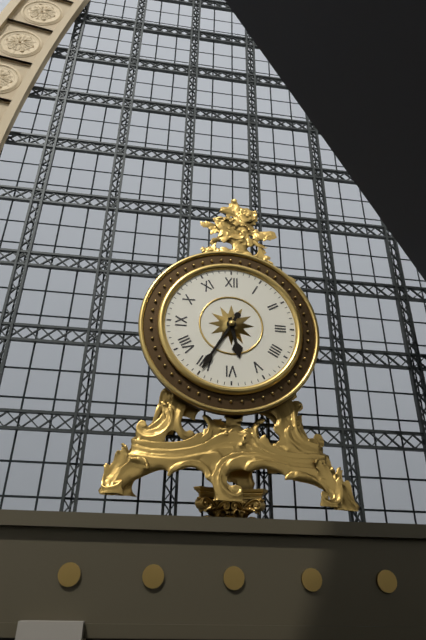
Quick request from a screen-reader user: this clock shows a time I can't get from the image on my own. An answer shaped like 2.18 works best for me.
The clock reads 5.35
